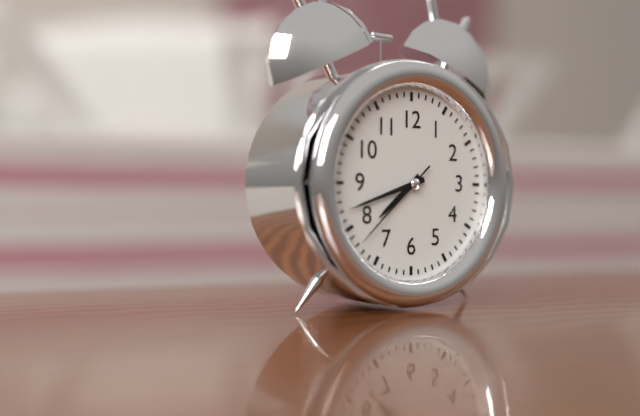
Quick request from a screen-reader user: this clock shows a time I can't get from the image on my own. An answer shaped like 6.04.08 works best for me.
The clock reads 7.42.38
